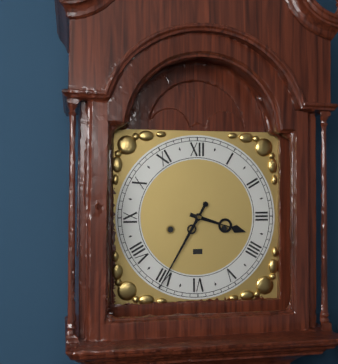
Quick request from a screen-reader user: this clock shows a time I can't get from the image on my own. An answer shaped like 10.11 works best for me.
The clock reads 3.35
